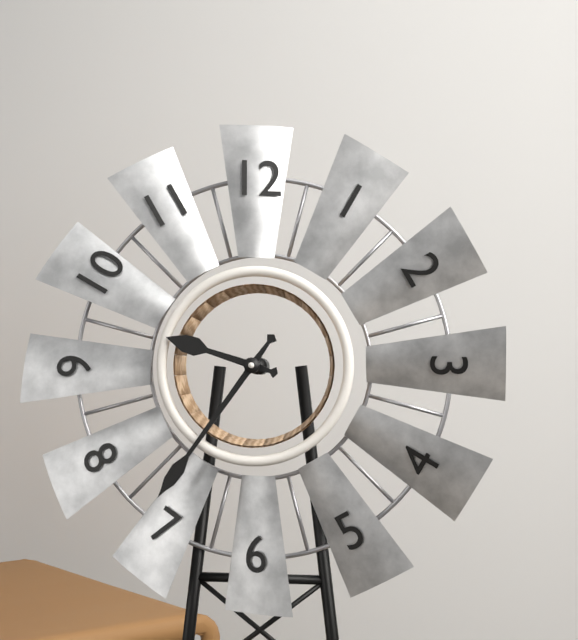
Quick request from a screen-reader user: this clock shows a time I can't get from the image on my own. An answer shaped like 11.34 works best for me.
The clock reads 9.36
